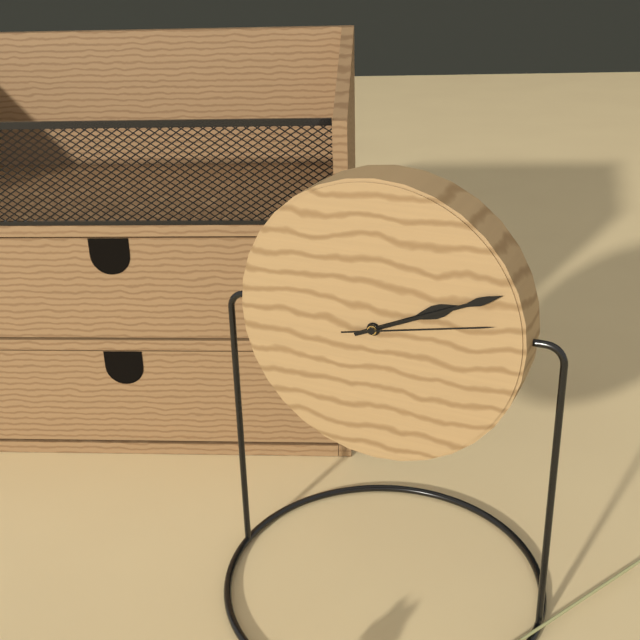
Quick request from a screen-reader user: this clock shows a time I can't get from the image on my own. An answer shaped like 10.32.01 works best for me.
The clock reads 2.11.13
